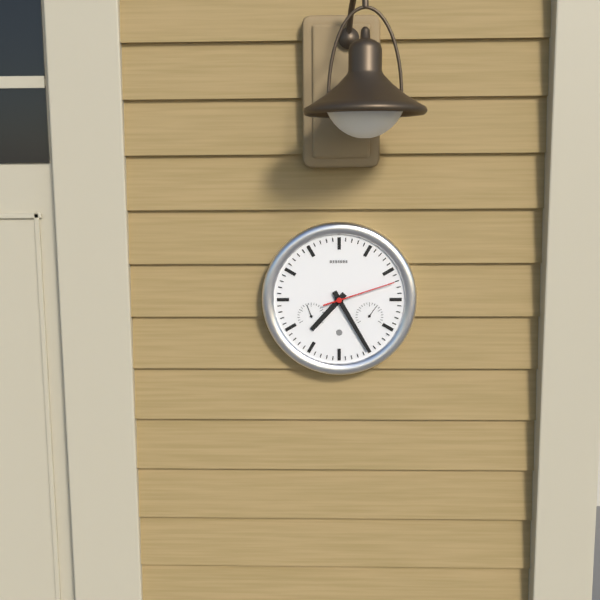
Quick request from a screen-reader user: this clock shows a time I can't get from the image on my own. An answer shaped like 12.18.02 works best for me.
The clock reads 7.25.12
